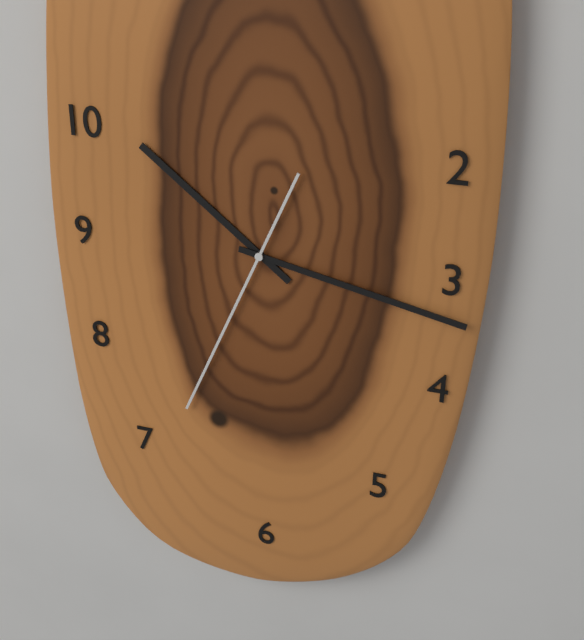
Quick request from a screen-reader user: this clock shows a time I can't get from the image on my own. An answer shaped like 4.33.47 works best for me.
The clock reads 10.17.34
